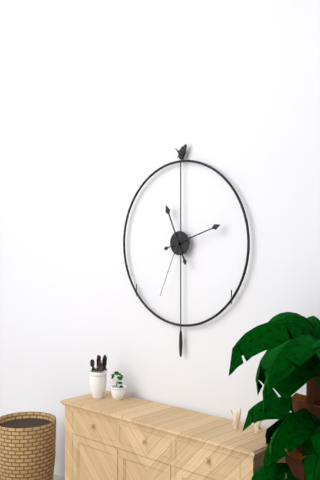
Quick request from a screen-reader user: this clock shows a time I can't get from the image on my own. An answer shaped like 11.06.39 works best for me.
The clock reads 11.12.34
